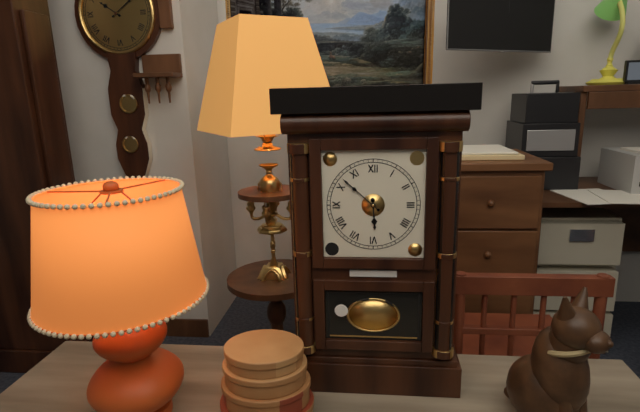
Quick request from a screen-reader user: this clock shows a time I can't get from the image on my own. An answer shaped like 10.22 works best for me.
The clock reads 5.52
